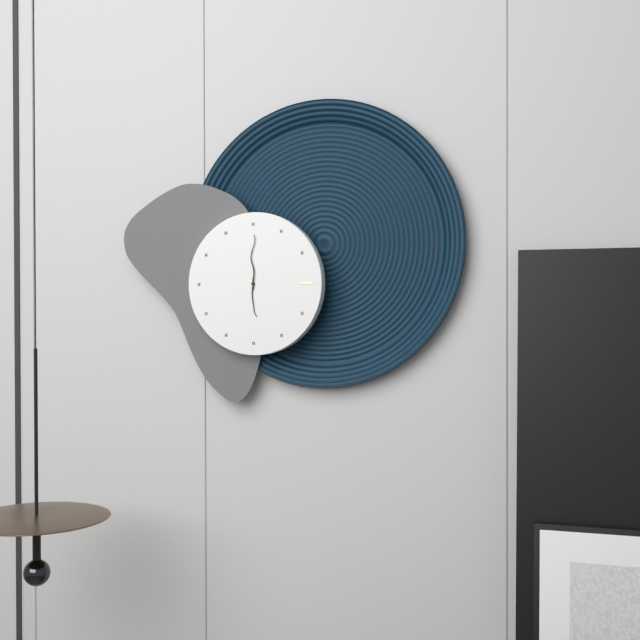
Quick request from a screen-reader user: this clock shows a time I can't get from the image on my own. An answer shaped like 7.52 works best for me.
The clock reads 6.00
